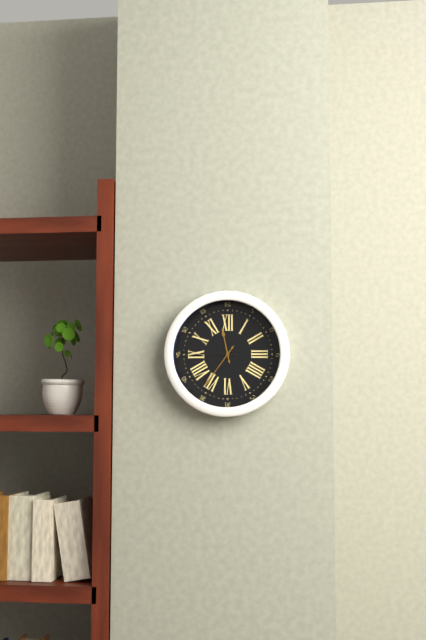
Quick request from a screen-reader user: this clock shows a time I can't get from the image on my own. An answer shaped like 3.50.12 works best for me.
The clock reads 11.36.45
